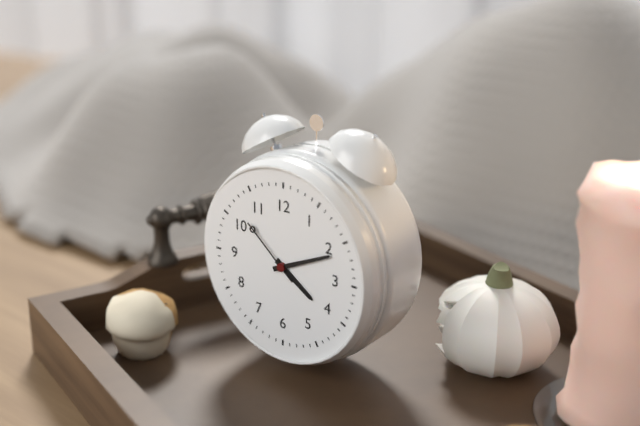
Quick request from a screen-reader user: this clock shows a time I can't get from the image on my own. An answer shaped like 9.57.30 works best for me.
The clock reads 4.11.52
